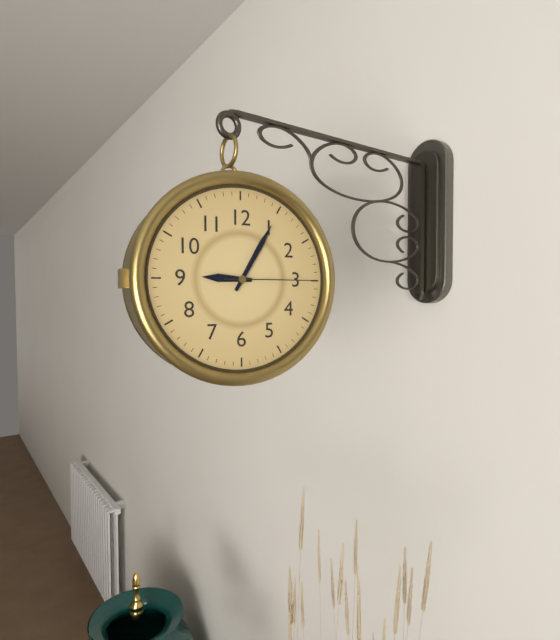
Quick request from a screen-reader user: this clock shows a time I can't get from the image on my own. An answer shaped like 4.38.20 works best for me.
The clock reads 9.05.15
